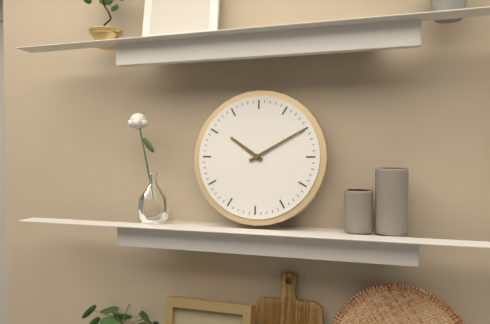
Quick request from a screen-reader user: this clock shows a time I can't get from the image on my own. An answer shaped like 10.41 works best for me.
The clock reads 10.10
